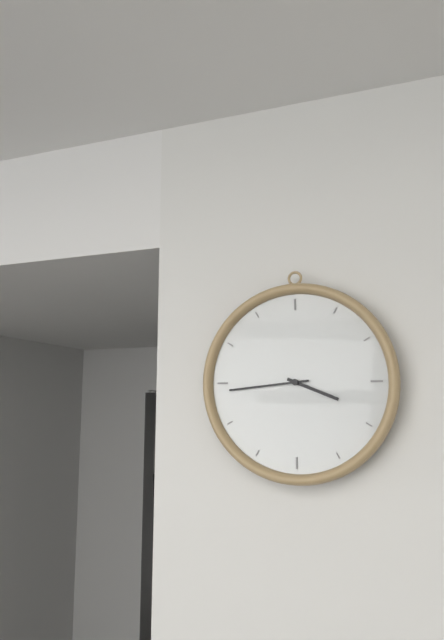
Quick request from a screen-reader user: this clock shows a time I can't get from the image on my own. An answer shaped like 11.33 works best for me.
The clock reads 3.44
